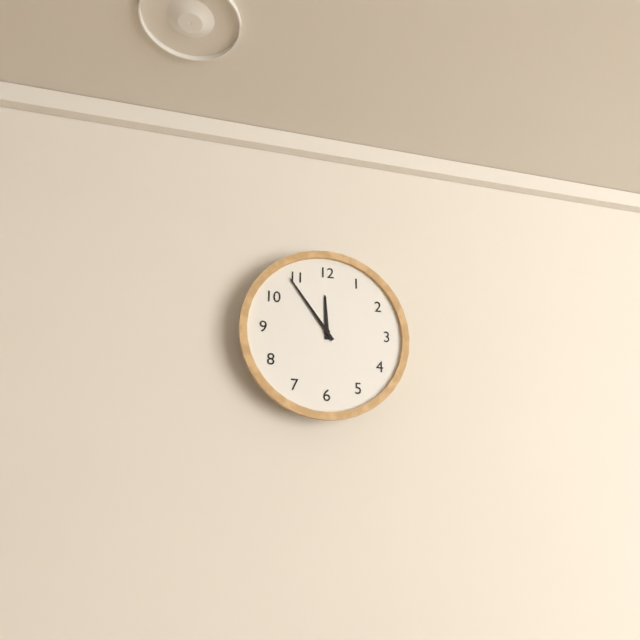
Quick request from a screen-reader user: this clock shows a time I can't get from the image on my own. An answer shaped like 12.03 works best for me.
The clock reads 11.54
